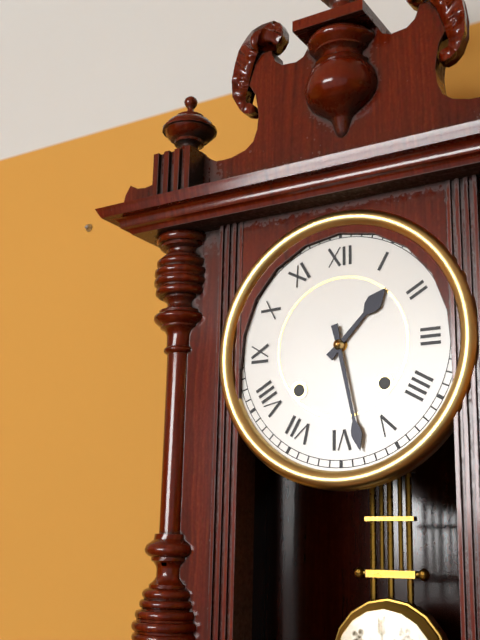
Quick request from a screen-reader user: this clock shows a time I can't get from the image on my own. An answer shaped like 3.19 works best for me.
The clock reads 1.28
